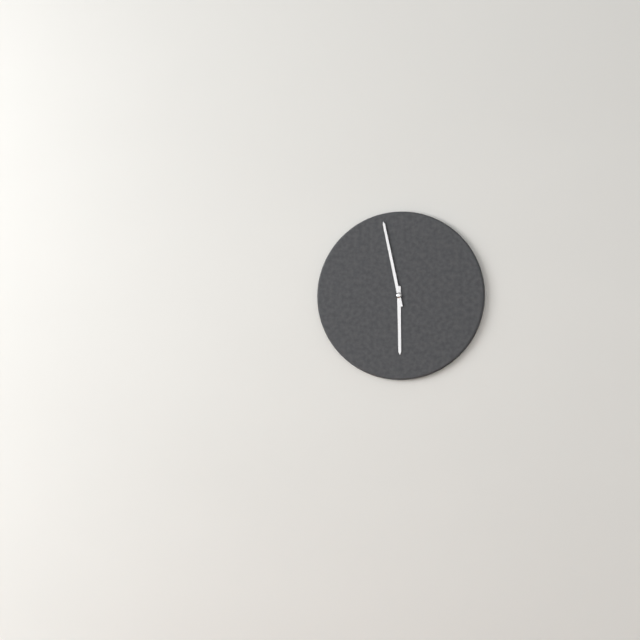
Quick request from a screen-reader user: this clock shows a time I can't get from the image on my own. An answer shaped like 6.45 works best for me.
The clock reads 5.58
